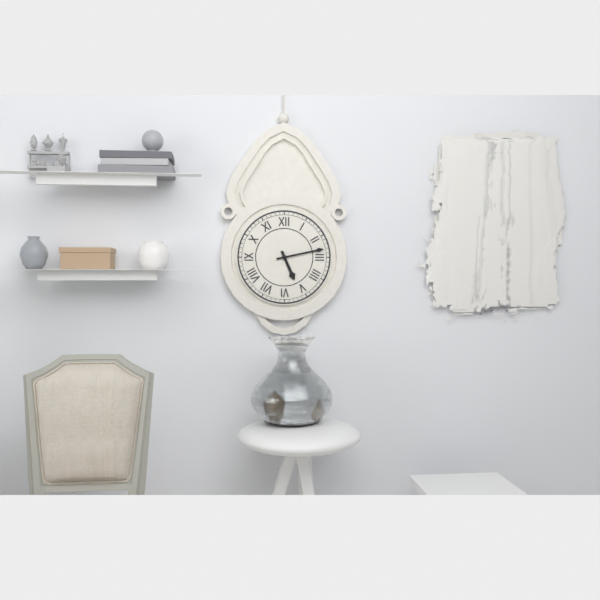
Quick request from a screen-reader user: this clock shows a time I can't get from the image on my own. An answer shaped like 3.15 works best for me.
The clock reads 5.13
